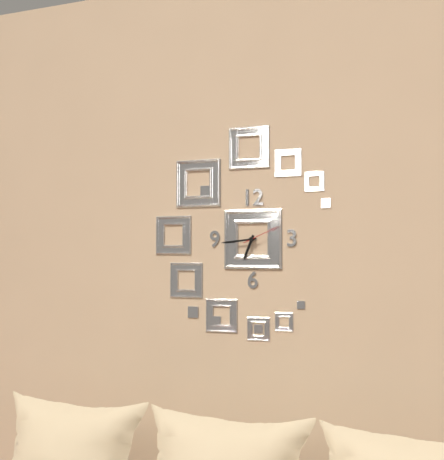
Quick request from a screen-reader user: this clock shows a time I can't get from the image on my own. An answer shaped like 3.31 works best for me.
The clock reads 6.44
